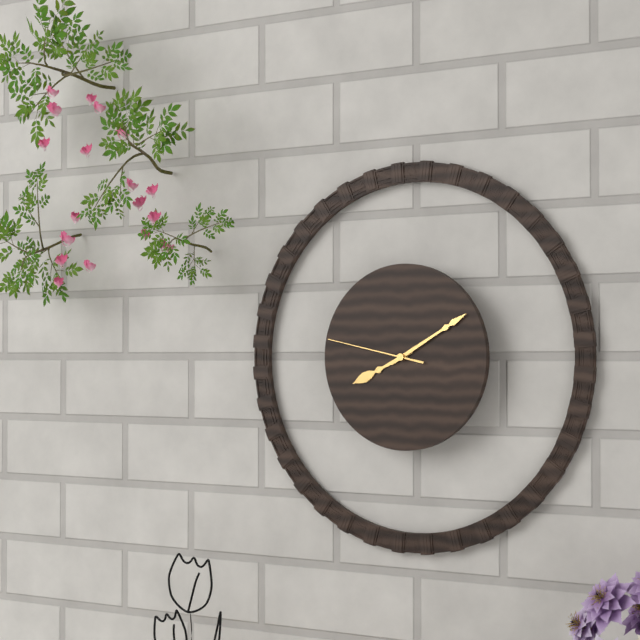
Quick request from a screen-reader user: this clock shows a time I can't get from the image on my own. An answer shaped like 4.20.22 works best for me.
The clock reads 8.10.47
